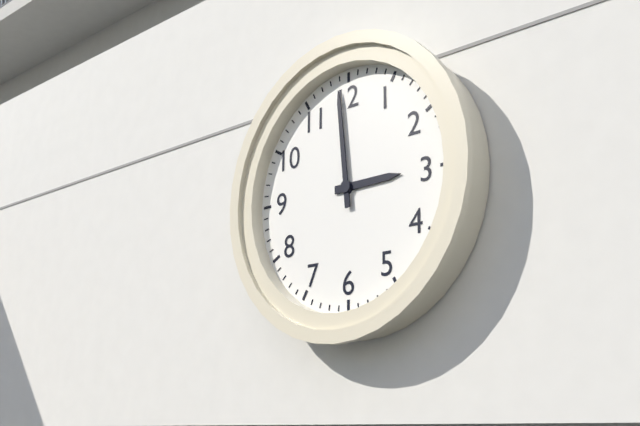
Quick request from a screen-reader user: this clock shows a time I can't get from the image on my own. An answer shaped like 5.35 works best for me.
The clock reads 2.59
